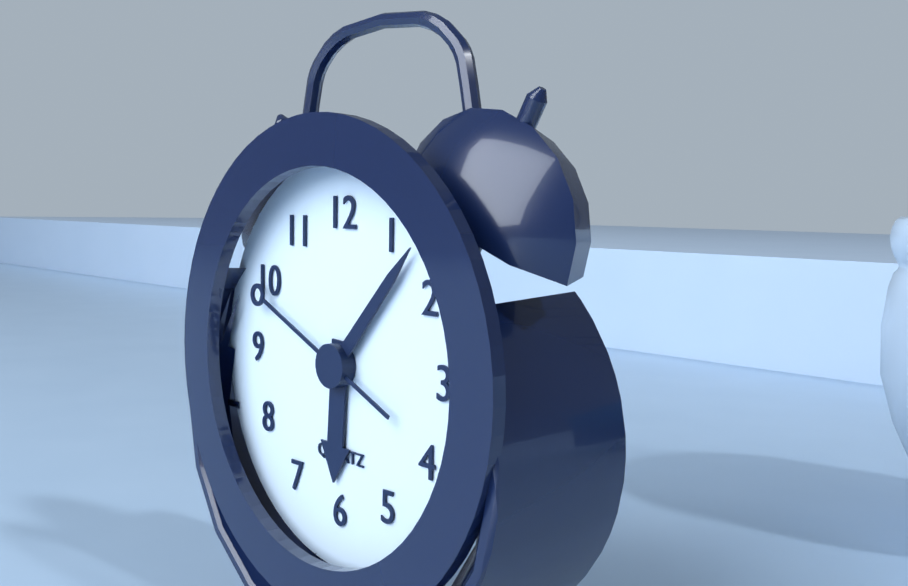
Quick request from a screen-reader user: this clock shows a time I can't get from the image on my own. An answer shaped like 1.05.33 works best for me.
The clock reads 6.07.49
